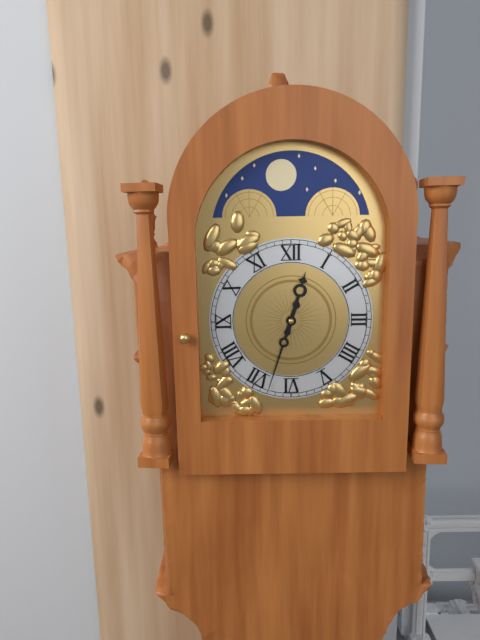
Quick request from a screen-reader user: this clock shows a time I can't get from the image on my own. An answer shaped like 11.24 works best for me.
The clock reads 12.33
